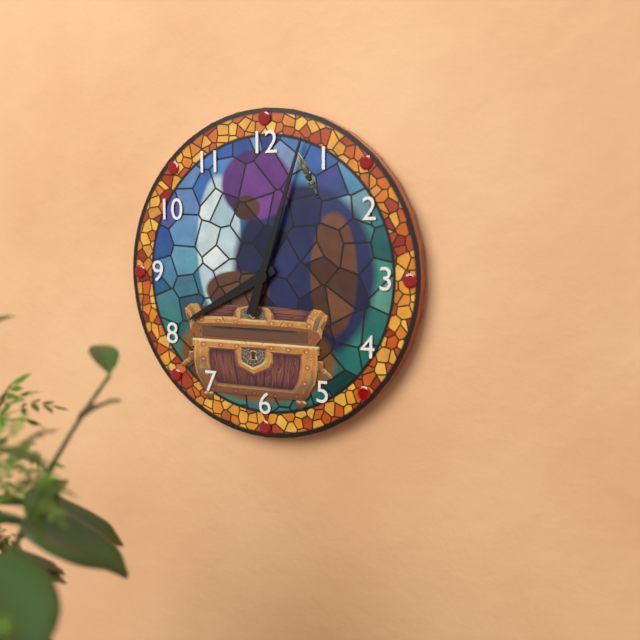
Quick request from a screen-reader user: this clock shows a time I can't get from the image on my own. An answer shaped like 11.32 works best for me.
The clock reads 8.03
